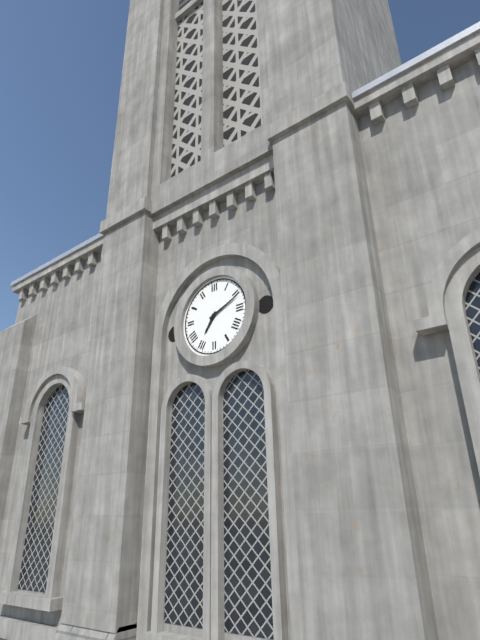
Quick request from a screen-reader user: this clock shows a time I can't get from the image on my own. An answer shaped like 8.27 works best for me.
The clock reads 7.11
